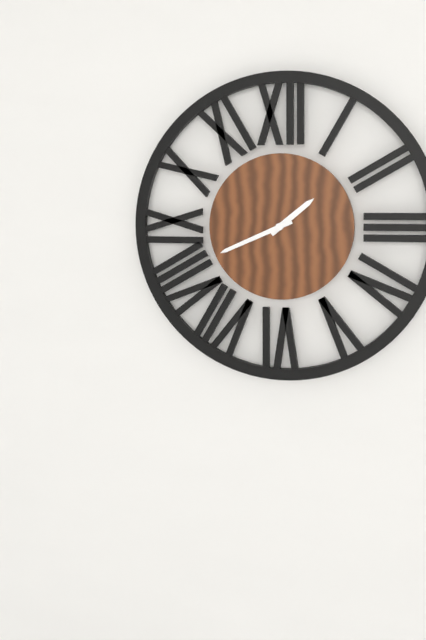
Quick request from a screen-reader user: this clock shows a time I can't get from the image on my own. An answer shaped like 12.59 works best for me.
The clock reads 1.41
